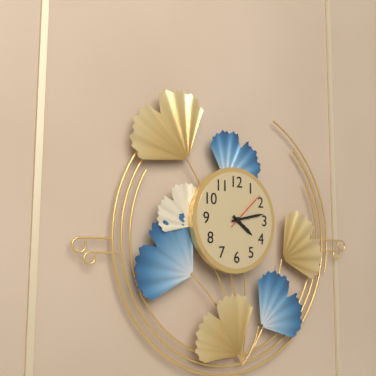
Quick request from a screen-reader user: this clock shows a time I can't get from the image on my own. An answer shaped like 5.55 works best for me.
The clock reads 4.13
